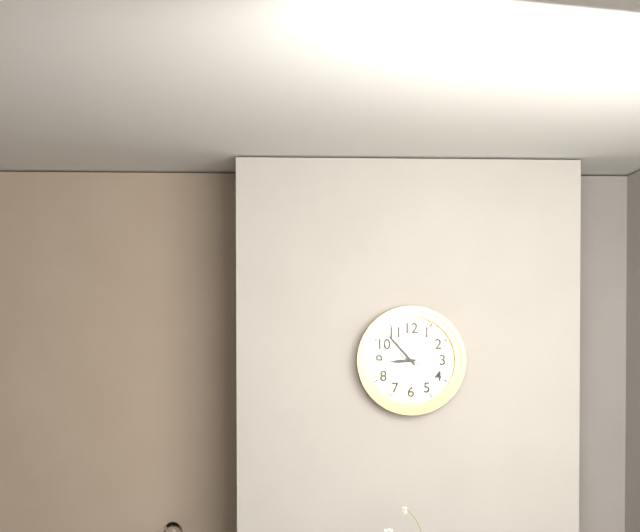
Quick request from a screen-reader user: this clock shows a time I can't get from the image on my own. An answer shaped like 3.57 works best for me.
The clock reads 8.53
